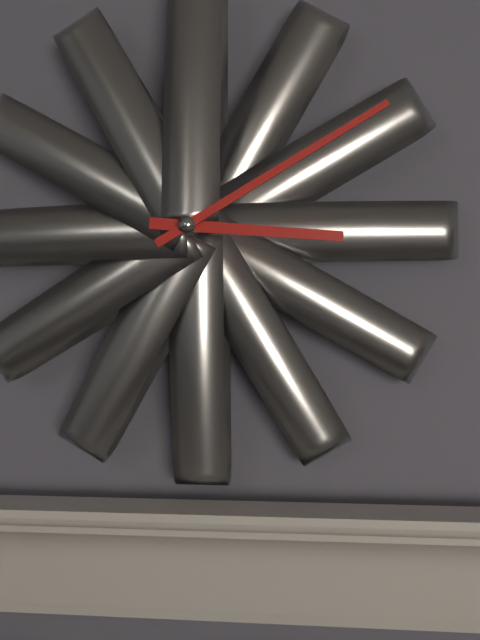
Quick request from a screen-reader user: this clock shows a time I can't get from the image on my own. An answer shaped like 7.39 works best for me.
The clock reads 3.10
